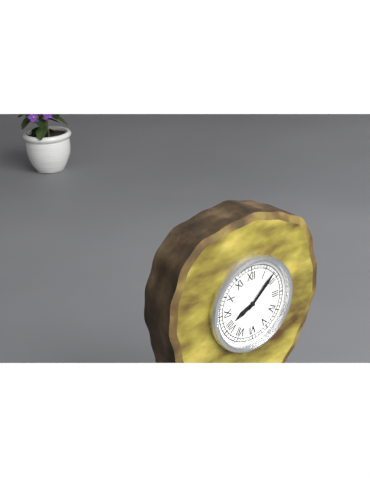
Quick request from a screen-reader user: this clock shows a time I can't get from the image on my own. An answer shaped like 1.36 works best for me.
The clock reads 8.08
